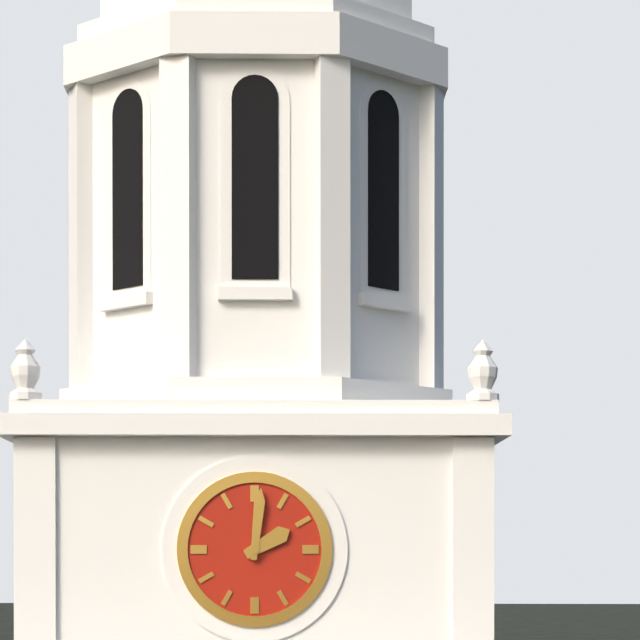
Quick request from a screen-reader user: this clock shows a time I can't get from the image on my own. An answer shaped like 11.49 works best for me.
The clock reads 2.01
